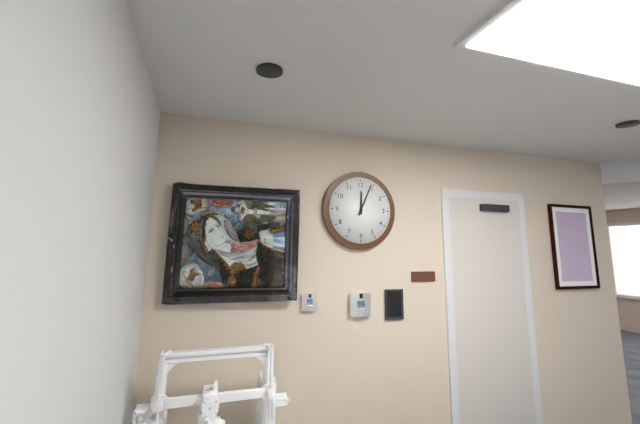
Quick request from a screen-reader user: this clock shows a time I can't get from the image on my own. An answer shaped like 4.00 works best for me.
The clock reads 12.04
